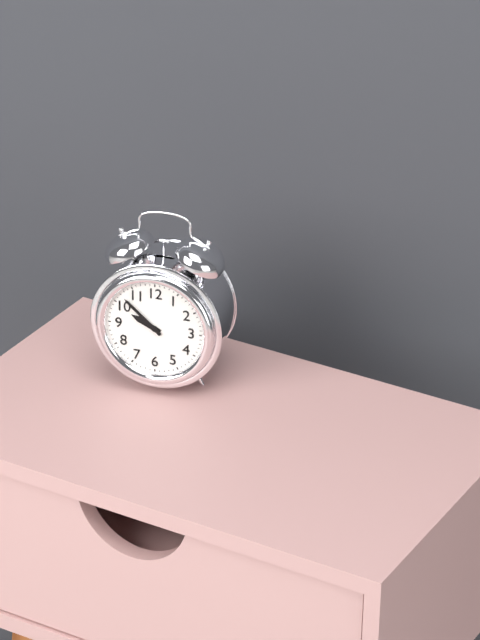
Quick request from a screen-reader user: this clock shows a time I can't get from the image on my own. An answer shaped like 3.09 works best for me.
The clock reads 9.52
